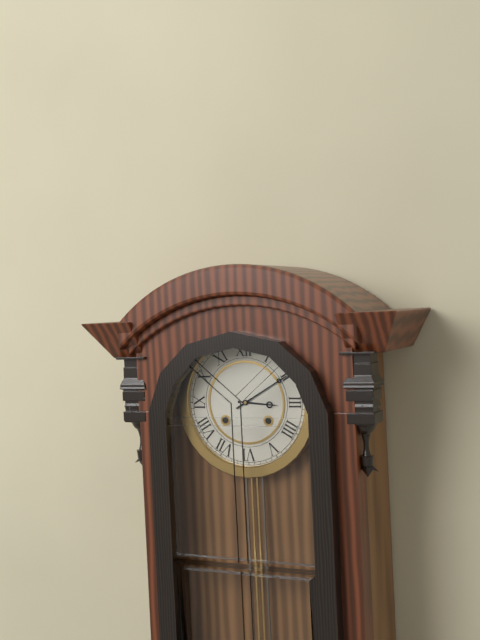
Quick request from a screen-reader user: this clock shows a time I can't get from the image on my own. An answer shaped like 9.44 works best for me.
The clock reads 3.10
